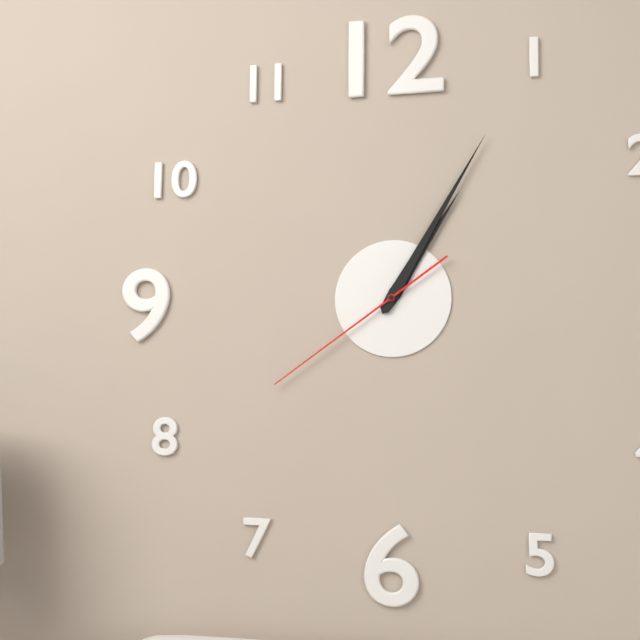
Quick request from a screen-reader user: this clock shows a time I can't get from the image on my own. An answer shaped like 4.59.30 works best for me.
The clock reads 1.05.39
